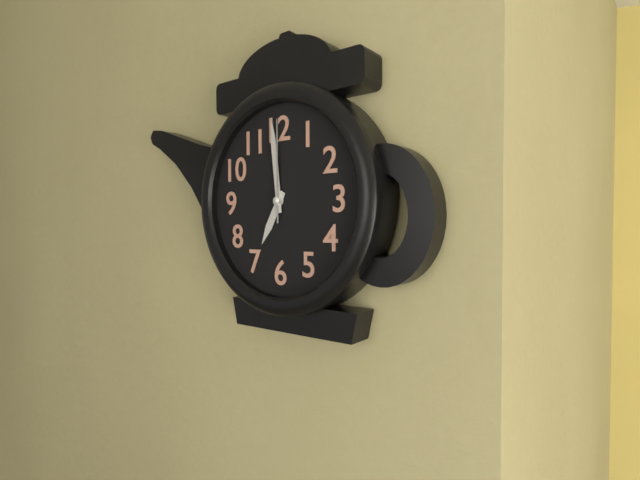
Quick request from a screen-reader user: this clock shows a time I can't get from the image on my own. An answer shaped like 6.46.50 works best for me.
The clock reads 6.59.00
